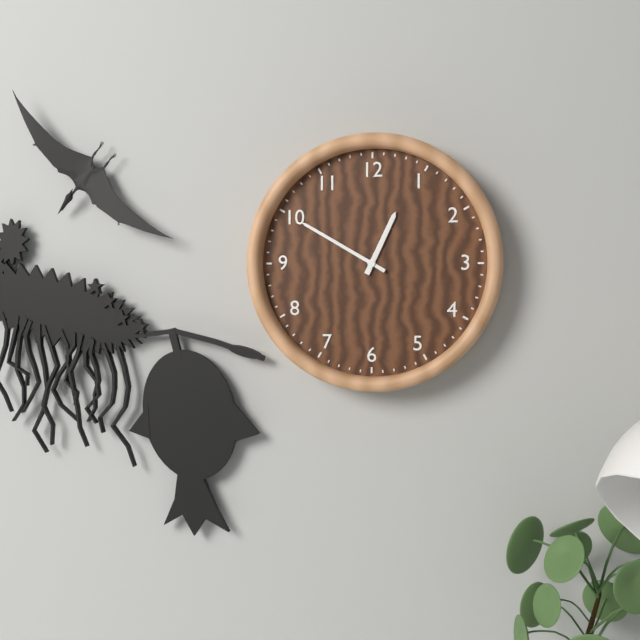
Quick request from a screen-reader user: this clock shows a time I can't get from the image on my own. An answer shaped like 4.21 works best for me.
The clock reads 12.50
